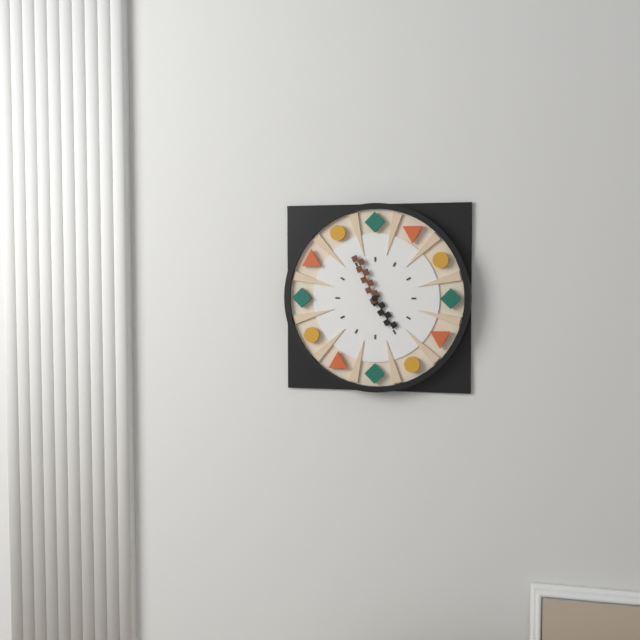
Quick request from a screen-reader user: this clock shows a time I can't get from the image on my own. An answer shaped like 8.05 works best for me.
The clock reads 4.56
